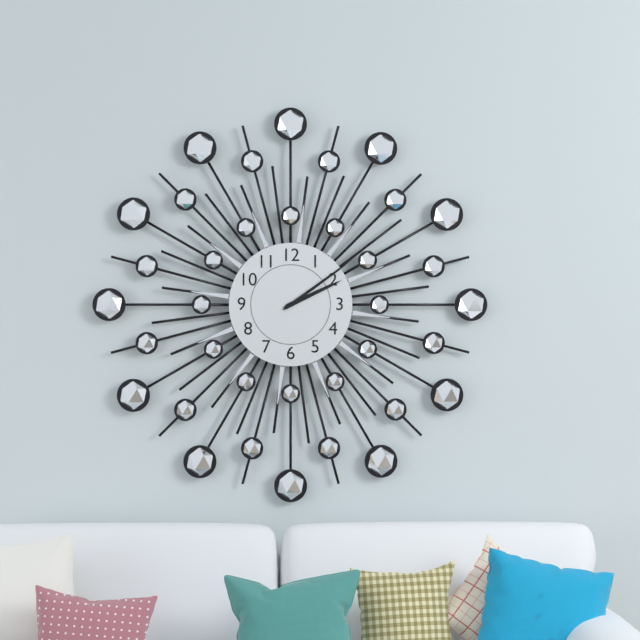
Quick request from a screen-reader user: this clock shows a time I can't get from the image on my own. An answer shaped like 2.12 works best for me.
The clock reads 2.09
